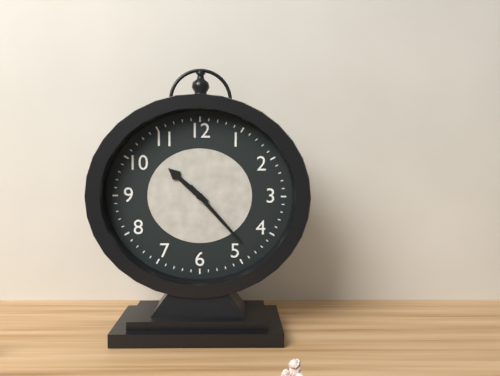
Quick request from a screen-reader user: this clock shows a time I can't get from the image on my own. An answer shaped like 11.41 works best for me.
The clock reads 10.23
